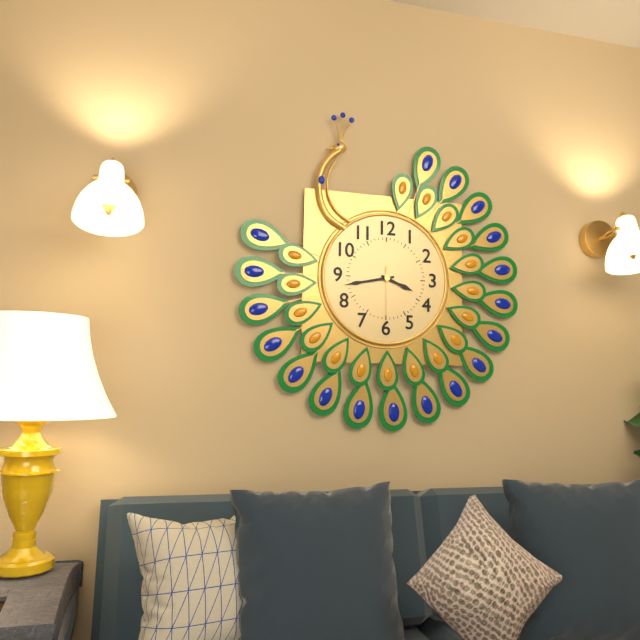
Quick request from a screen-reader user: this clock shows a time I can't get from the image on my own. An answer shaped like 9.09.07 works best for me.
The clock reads 3.43.30
